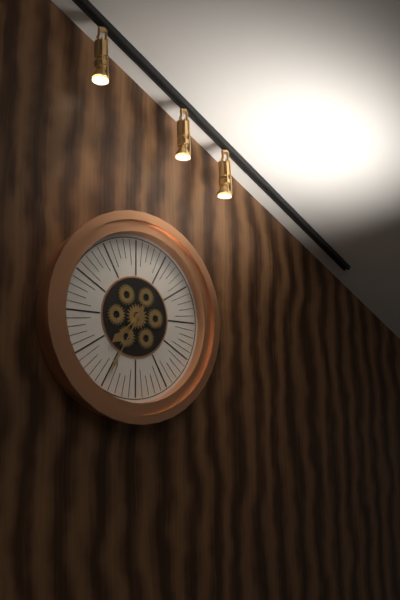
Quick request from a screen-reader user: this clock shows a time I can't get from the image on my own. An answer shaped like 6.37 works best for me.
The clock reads 7.35
